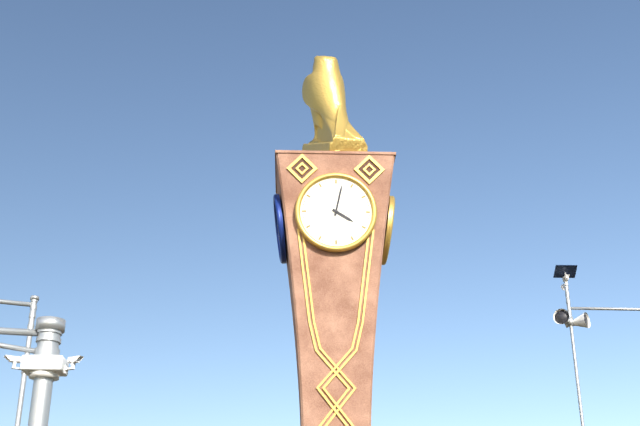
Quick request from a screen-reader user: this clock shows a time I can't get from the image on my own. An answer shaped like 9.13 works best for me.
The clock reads 4.02
